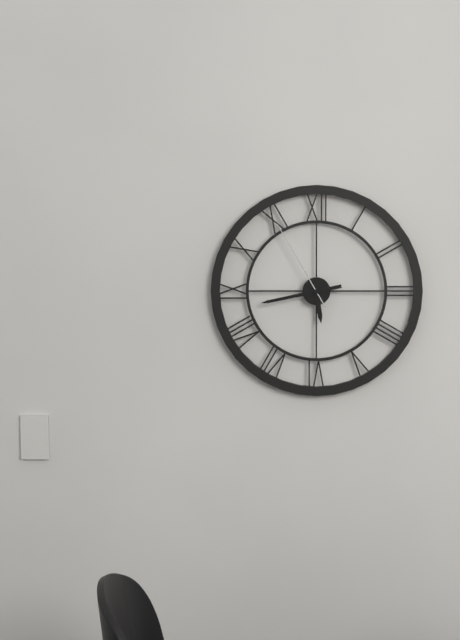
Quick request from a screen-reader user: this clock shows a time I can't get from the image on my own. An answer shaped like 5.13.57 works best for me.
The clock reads 5.43.55
